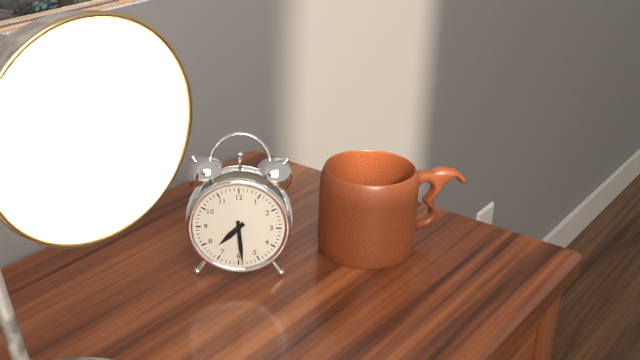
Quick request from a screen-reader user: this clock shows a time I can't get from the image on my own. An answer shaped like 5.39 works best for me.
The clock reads 7.29
